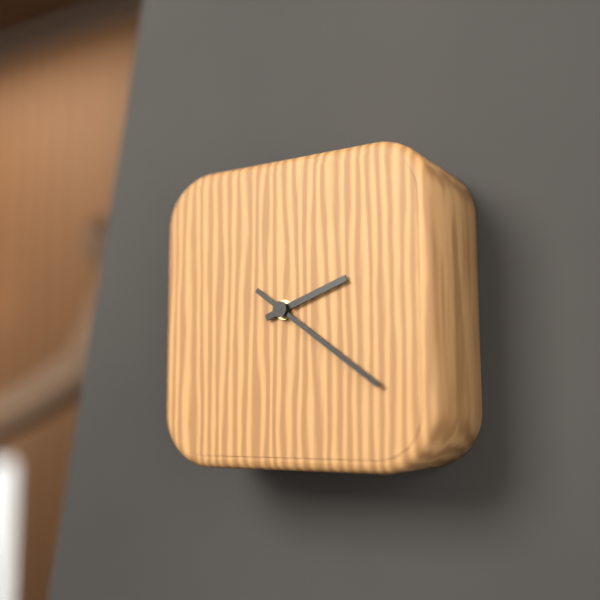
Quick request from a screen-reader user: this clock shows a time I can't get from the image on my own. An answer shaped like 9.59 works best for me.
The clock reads 2.21
